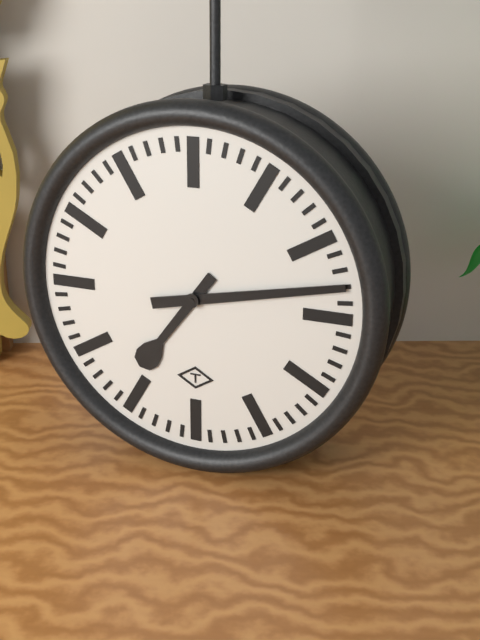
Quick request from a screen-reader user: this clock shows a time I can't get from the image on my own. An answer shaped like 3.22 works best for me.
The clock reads 7.13
